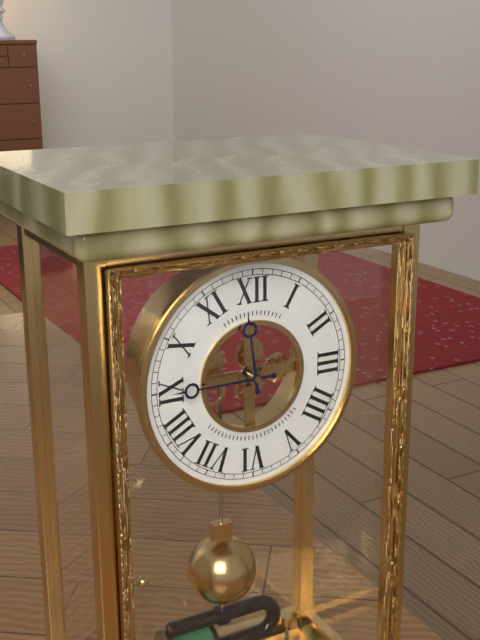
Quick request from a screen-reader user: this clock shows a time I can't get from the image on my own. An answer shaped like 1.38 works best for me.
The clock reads 11.45
